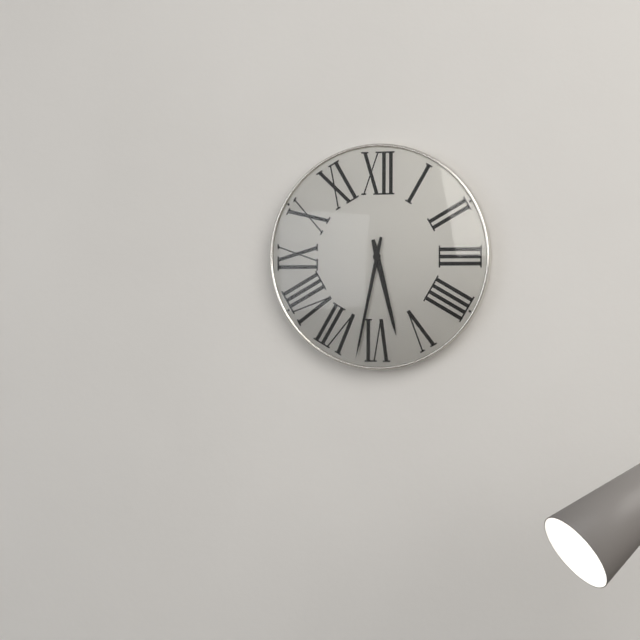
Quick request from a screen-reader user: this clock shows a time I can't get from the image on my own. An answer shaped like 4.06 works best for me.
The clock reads 5.32
